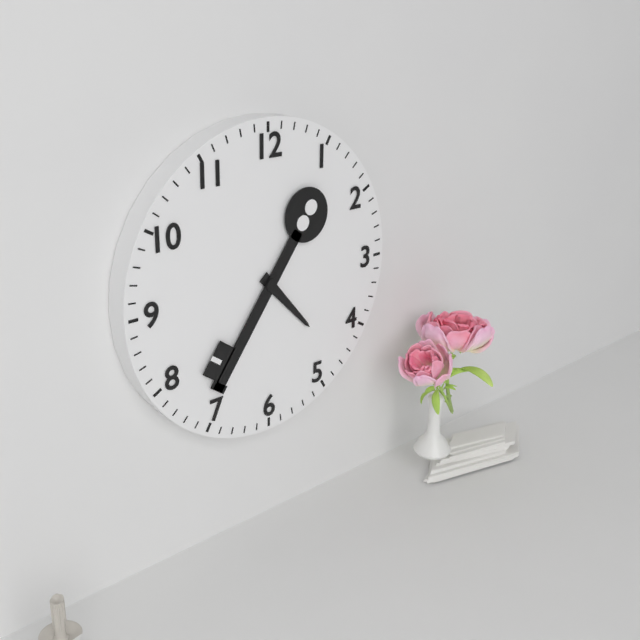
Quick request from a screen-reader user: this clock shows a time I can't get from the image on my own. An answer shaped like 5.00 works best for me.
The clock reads 4.36
